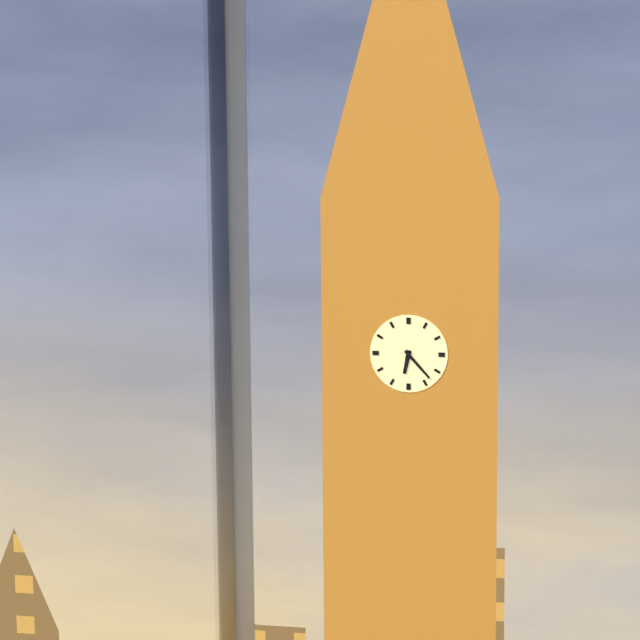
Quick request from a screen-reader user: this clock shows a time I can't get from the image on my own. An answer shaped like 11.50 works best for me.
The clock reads 6.23
